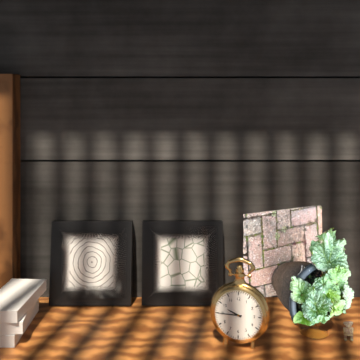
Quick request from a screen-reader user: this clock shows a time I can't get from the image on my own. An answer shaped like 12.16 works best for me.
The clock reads 9.45
